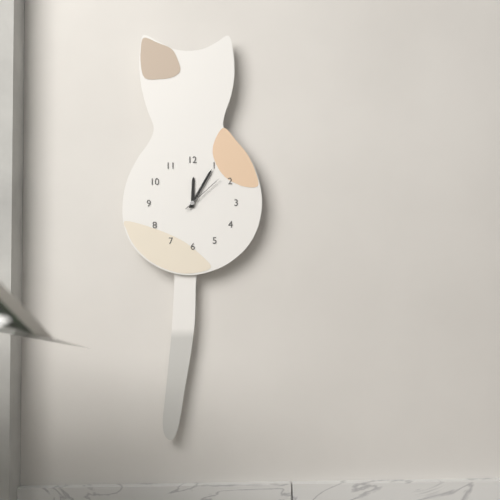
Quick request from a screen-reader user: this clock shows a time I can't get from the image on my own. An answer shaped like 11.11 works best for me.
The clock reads 12.05
